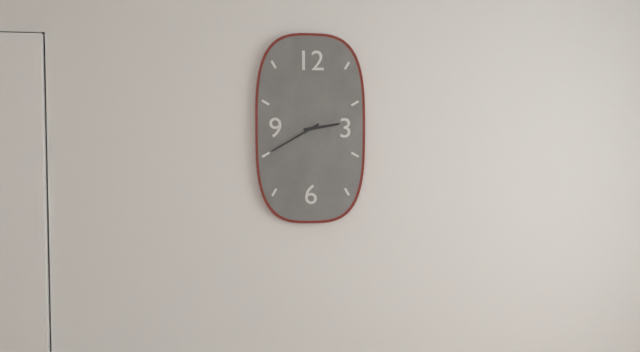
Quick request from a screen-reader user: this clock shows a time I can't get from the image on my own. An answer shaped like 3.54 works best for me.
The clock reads 2.40
